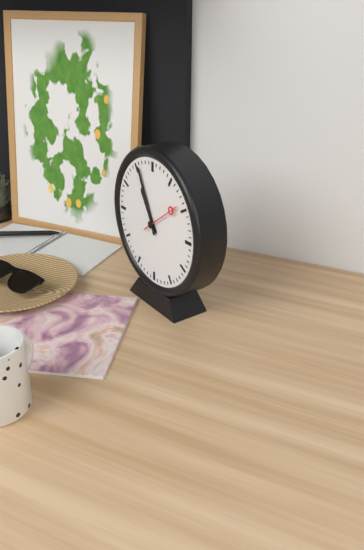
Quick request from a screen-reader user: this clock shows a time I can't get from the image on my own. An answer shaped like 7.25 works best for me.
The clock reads 10.56
